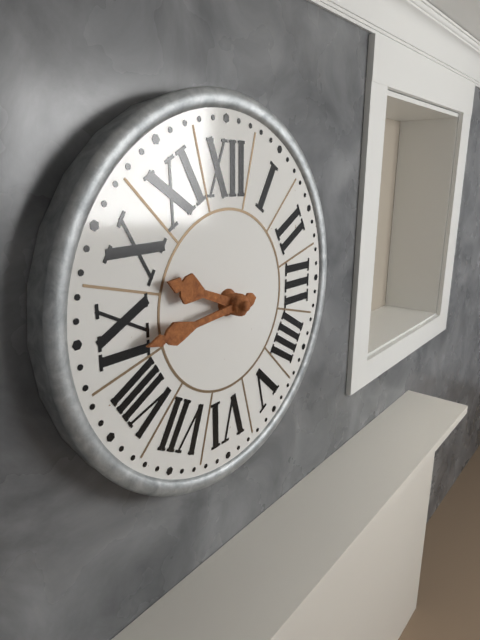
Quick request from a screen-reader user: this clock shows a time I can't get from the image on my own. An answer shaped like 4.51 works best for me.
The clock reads 9.44
